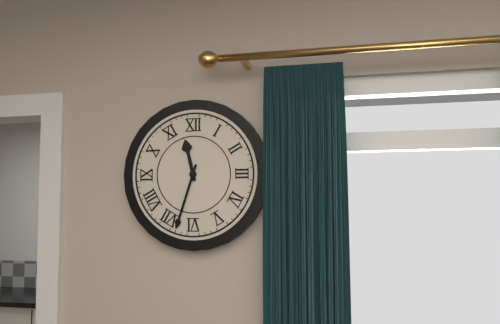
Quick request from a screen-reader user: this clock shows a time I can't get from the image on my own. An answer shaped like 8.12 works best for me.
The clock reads 11.33
